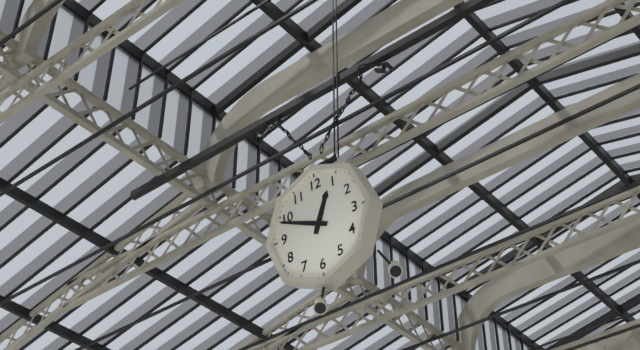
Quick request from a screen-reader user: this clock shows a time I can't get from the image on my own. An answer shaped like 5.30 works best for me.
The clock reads 12.49
